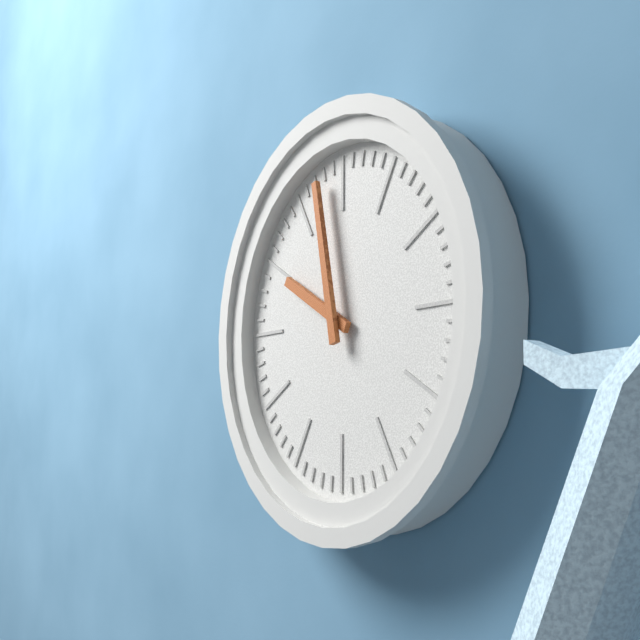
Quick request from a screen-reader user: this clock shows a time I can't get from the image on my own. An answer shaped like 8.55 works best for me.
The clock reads 9.58
